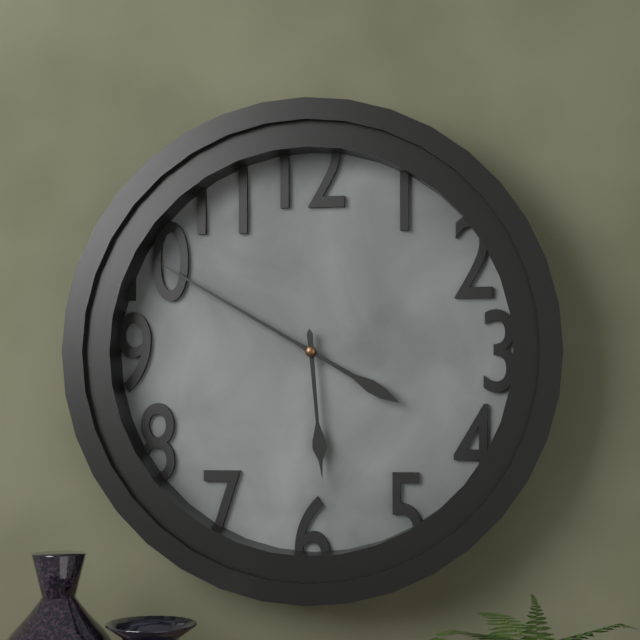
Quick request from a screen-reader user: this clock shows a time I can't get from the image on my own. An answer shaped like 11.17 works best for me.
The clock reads 5.50
